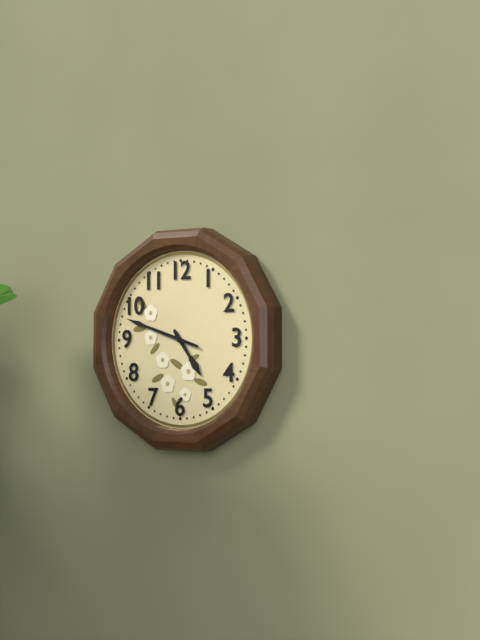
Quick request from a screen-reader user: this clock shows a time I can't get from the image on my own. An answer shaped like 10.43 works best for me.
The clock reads 4.48
